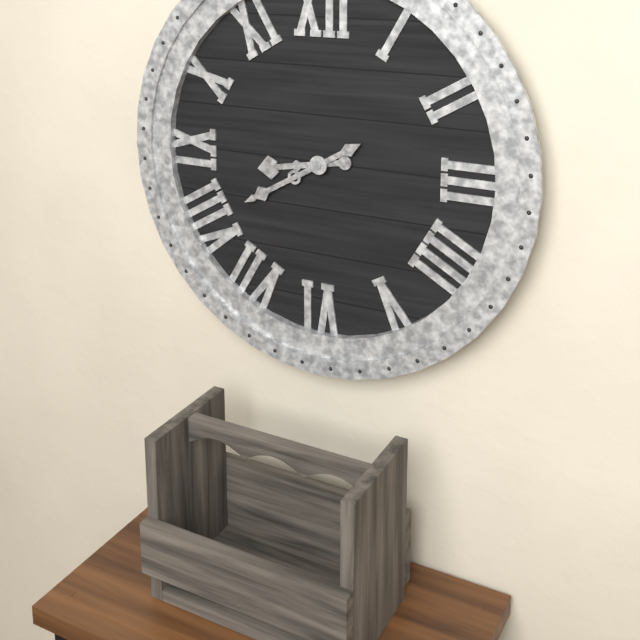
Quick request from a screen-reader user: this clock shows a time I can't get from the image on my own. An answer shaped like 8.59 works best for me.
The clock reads 8.40
